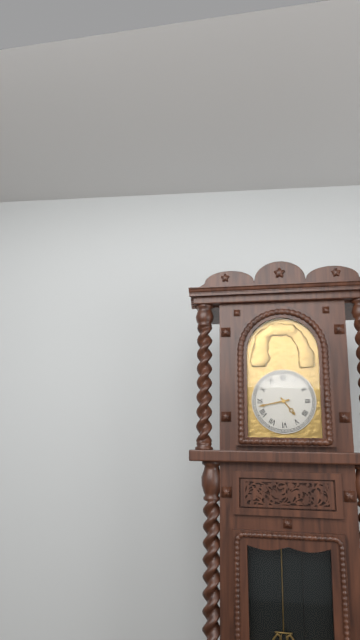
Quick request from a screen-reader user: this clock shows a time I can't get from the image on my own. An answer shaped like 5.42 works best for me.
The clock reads 4.43
